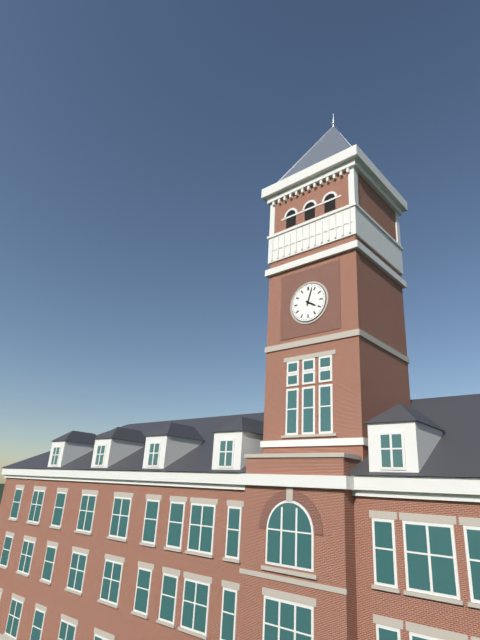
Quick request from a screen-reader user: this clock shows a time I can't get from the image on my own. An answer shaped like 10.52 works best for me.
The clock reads 4.03
